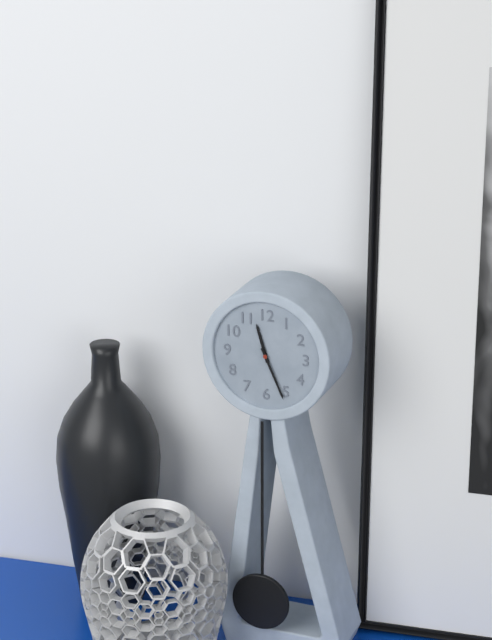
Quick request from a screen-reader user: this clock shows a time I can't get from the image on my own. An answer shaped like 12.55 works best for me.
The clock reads 11.26
